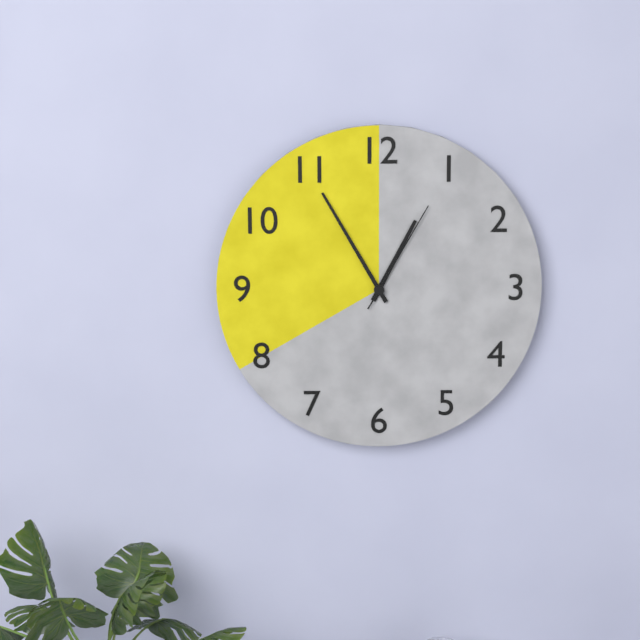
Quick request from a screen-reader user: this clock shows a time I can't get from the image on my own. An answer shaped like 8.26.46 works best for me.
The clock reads 12.55.05
